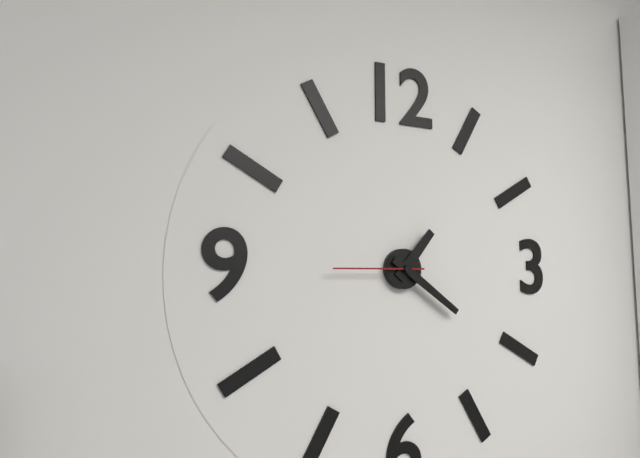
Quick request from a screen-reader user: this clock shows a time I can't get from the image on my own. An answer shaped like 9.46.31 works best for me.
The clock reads 1.21.45
